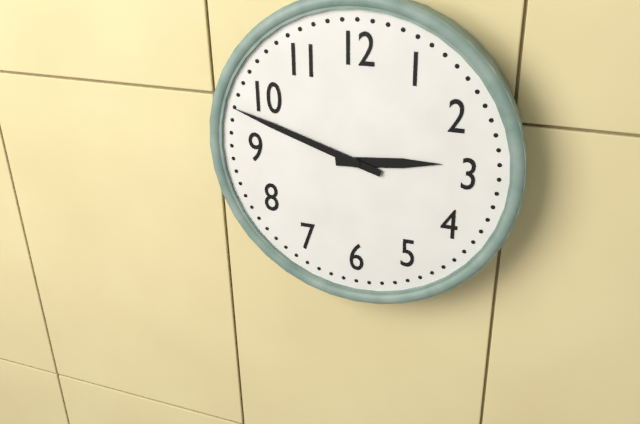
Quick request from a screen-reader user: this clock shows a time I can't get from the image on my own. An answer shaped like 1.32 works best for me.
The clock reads 2.48
